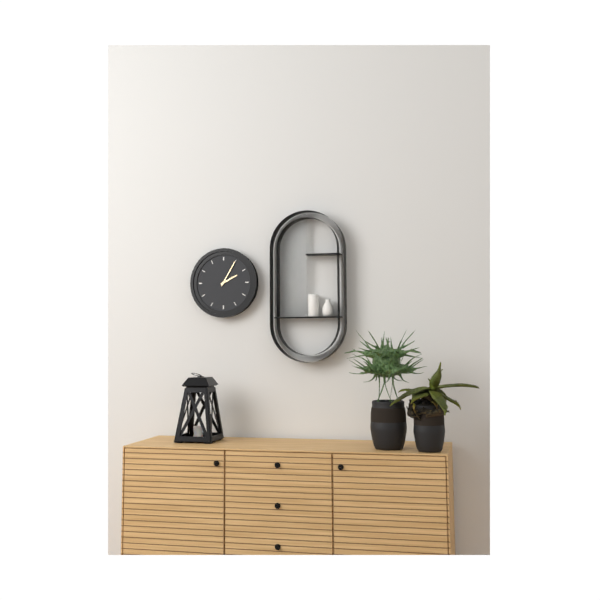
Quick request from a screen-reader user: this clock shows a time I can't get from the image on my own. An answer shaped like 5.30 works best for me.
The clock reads 2.05
